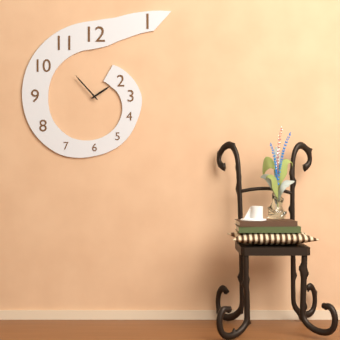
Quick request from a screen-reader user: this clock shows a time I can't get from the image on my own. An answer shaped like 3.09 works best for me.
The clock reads 1.53
